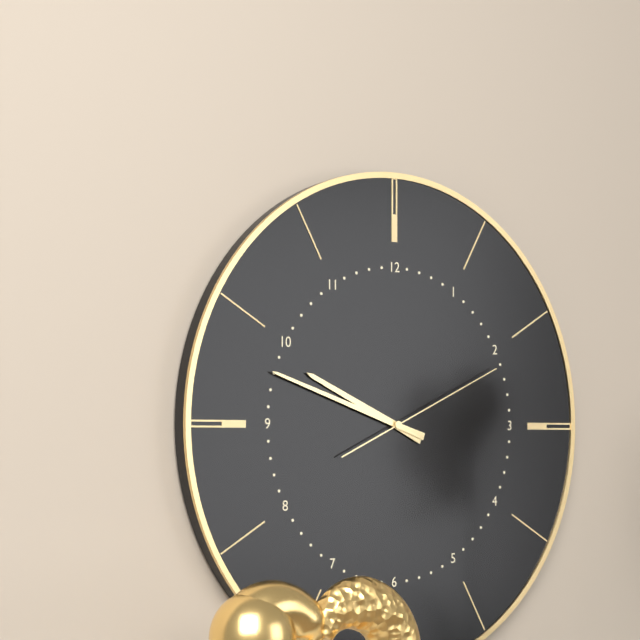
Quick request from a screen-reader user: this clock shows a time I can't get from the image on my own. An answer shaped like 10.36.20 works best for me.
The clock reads 9.48.11
